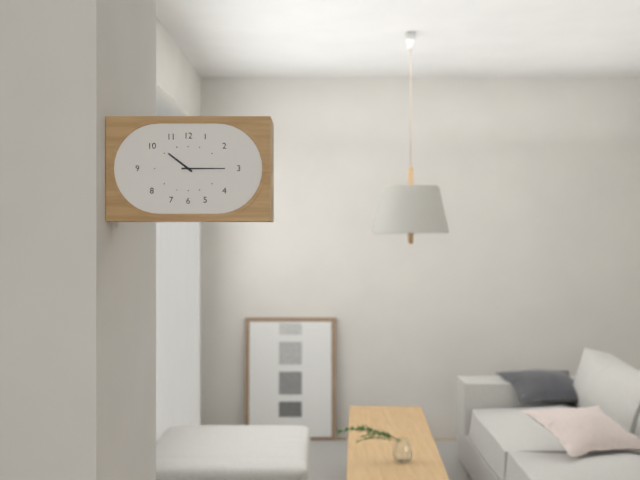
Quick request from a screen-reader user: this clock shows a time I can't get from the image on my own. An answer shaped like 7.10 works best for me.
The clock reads 10.15
